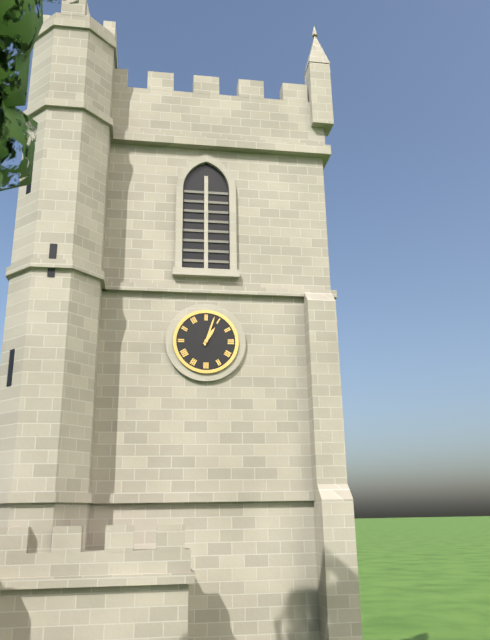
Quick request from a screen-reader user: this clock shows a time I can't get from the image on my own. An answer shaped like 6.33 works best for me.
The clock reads 1.03
